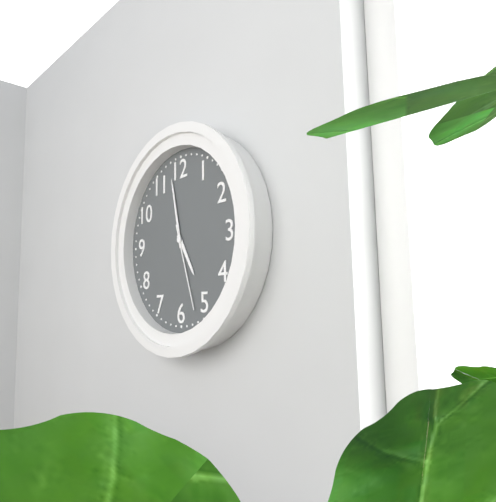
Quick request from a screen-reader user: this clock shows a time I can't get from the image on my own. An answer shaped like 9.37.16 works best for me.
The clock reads 4.58.27
